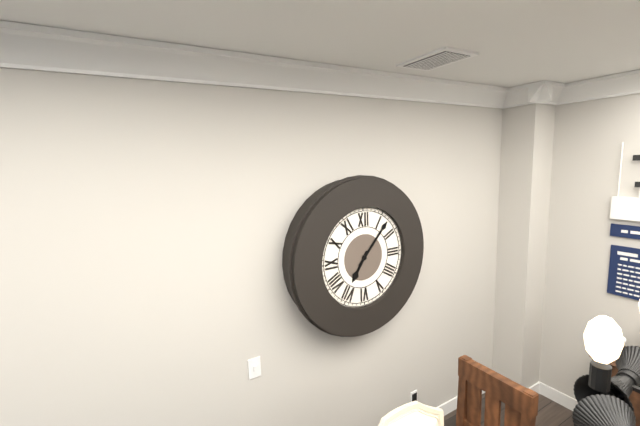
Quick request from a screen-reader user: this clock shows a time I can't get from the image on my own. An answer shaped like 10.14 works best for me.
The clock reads 7.07
